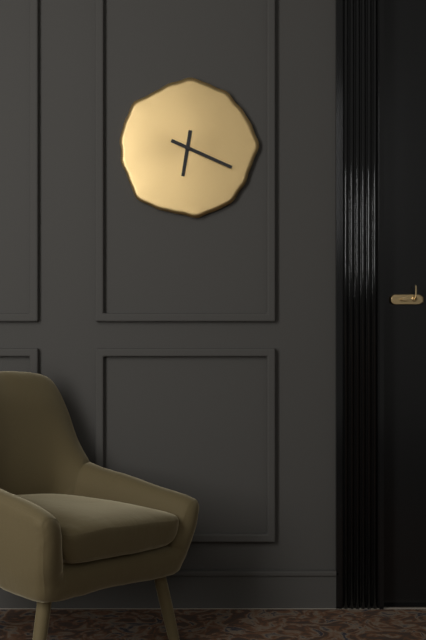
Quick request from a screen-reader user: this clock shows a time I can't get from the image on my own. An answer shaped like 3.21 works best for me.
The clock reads 6.19
